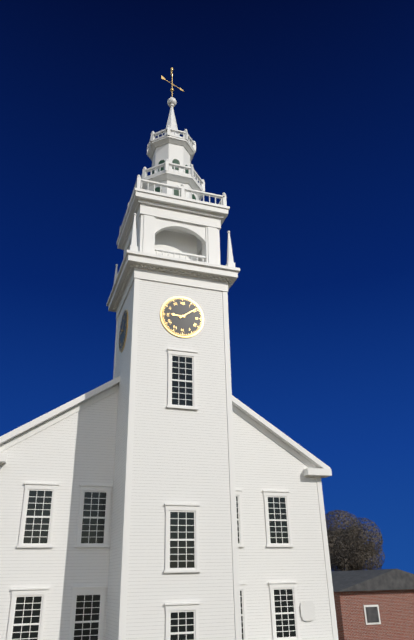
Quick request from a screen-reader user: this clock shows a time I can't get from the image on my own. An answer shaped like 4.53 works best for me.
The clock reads 9.09
